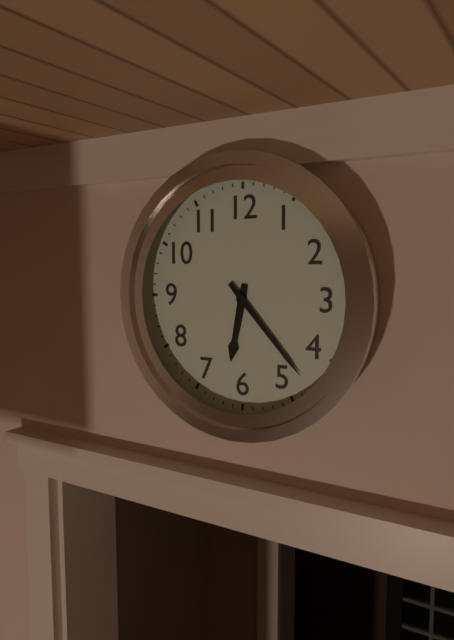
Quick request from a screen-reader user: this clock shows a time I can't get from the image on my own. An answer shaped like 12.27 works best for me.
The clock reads 6.23
